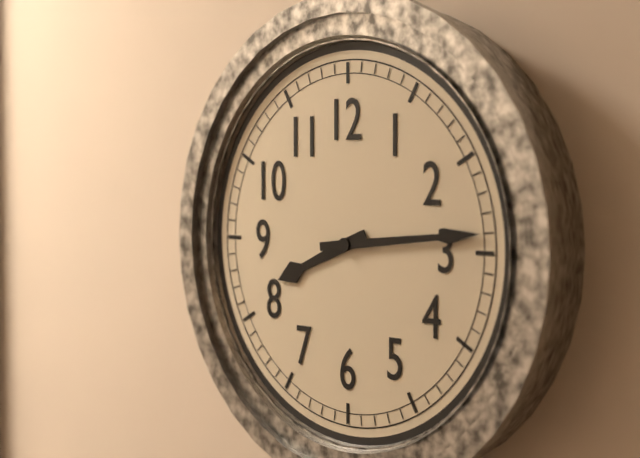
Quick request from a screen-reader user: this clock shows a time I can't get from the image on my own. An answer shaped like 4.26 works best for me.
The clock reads 8.14
